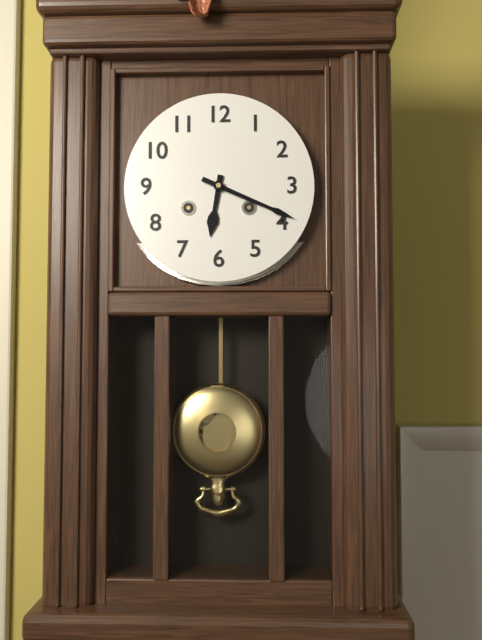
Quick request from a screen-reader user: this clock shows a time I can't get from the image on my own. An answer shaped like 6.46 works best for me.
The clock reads 6.19
